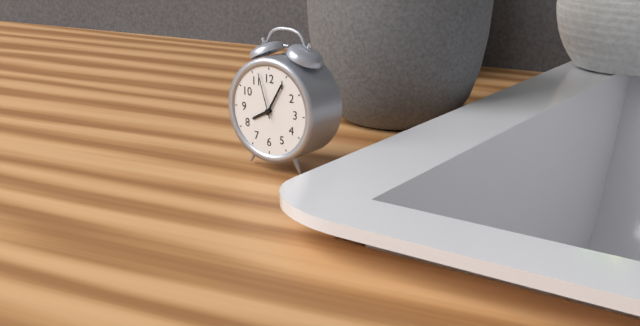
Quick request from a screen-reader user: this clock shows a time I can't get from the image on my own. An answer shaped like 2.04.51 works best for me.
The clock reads 8.05.57
